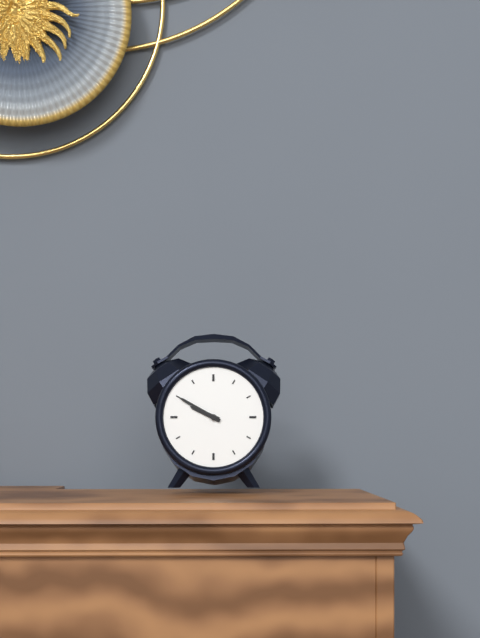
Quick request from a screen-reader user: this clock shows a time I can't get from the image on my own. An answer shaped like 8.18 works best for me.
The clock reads 9.50
